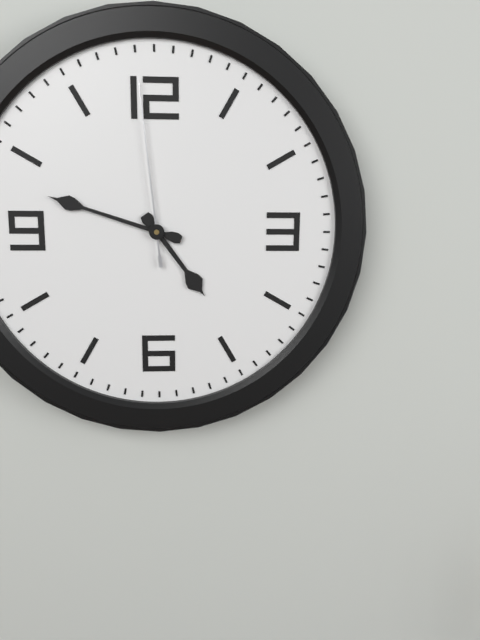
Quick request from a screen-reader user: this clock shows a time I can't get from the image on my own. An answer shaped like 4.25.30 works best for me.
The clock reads 4.48.59
